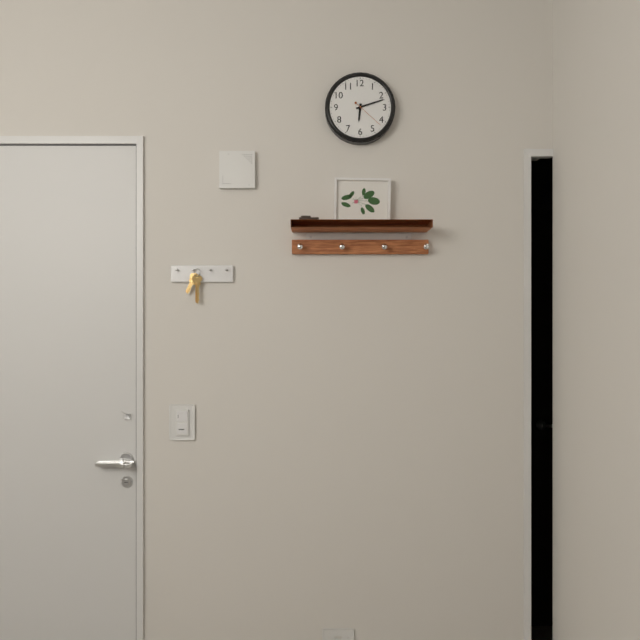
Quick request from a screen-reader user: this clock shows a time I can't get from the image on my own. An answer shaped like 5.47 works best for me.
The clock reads 6.12
